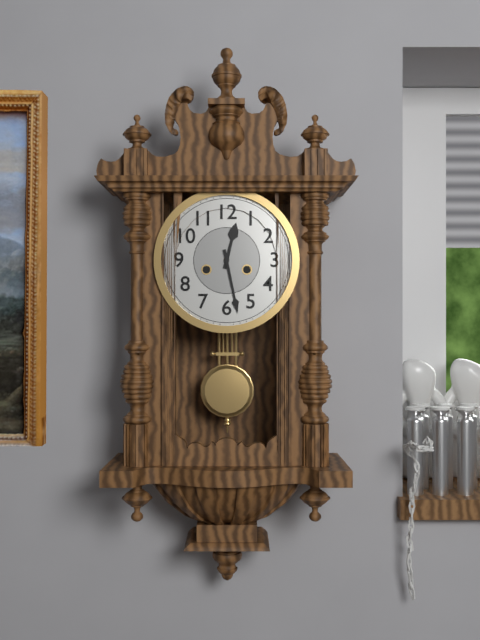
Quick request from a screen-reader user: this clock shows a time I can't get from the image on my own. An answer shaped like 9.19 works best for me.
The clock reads 12.28
